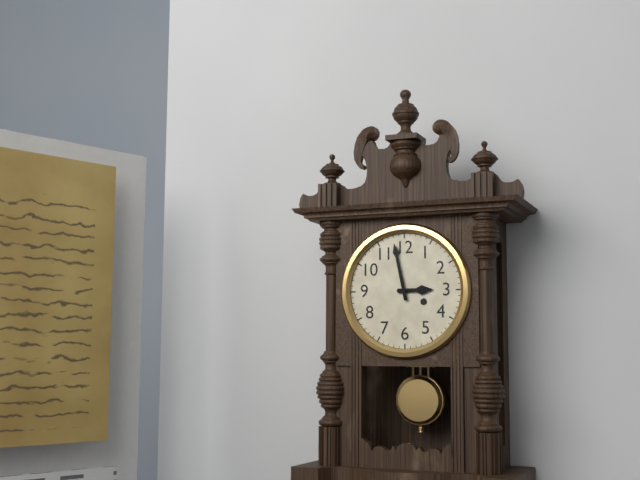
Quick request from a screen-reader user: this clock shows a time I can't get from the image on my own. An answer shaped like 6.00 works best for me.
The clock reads 2.58
